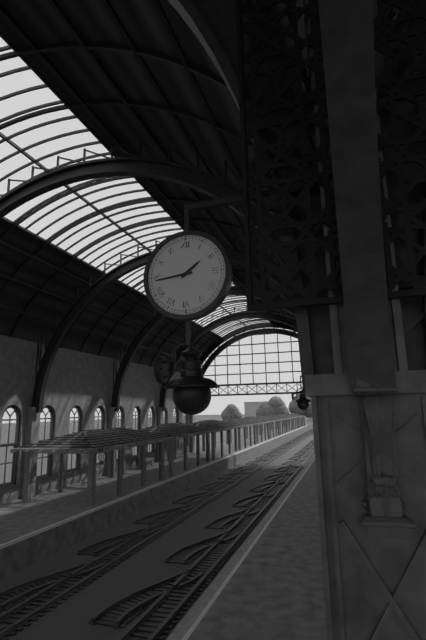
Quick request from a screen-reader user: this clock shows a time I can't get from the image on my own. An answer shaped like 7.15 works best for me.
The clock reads 1.44
